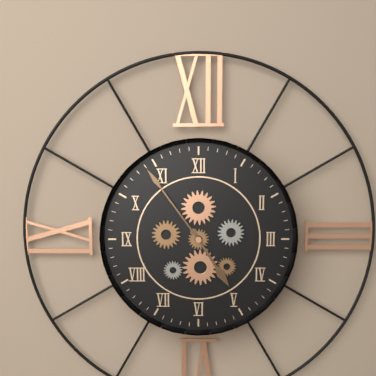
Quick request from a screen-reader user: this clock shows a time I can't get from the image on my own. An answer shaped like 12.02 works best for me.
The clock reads 4.54
